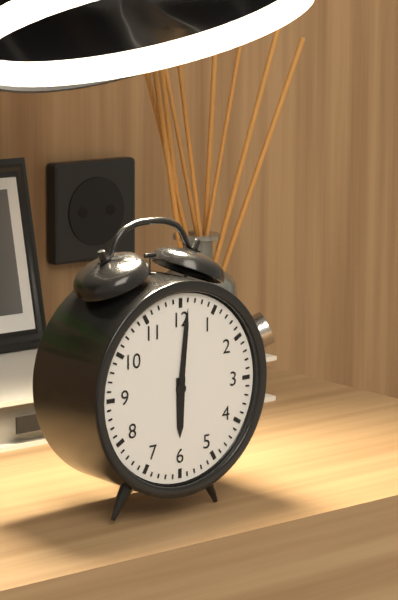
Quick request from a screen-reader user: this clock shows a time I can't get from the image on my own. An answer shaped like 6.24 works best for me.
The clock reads 6.01
